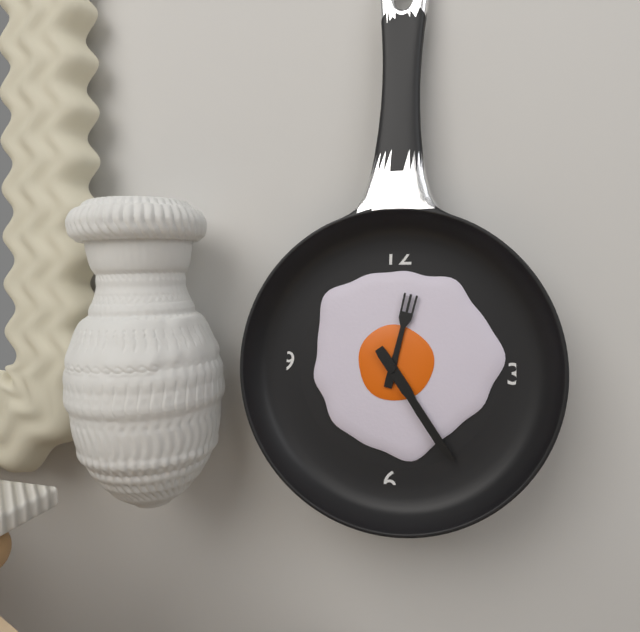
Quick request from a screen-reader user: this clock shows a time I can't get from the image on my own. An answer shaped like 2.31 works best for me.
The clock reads 12.24
